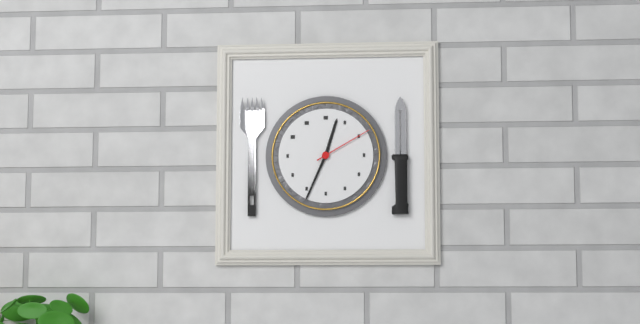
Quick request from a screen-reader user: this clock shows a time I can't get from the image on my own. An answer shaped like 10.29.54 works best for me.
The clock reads 12.34.10
